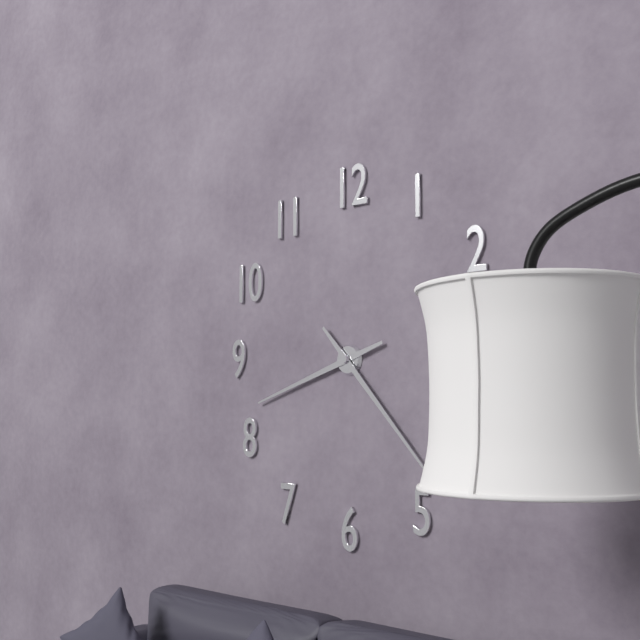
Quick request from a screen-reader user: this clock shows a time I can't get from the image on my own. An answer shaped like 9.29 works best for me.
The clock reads 8.23
